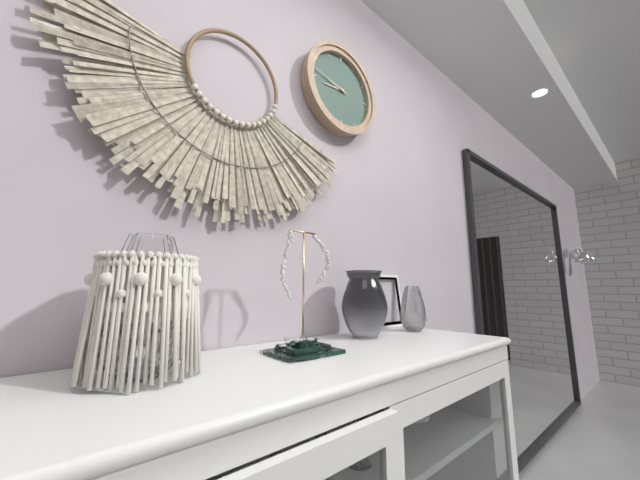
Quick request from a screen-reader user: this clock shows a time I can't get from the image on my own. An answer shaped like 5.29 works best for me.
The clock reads 8.47
